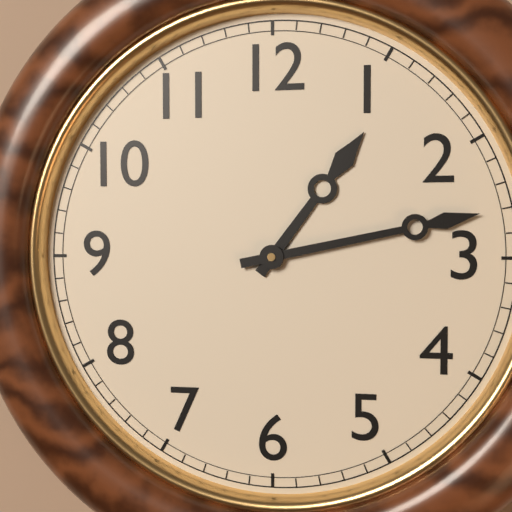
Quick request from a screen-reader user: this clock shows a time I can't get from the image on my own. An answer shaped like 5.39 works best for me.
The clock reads 1.13
